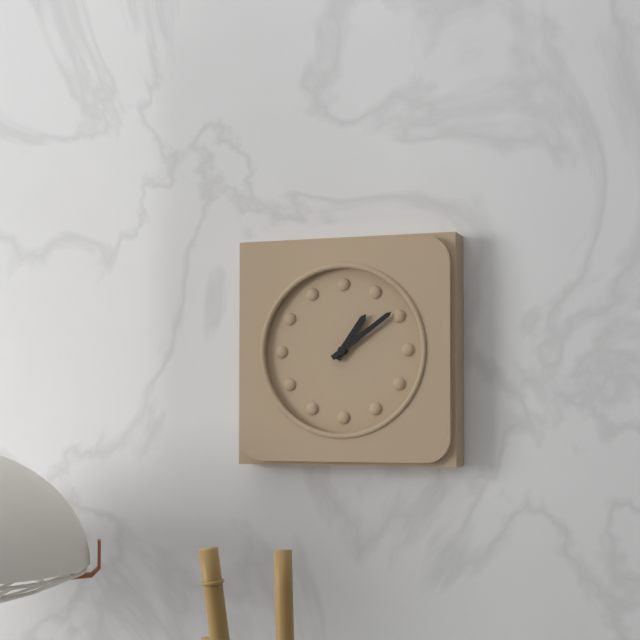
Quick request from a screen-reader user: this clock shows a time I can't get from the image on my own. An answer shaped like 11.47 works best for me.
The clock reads 1.09
